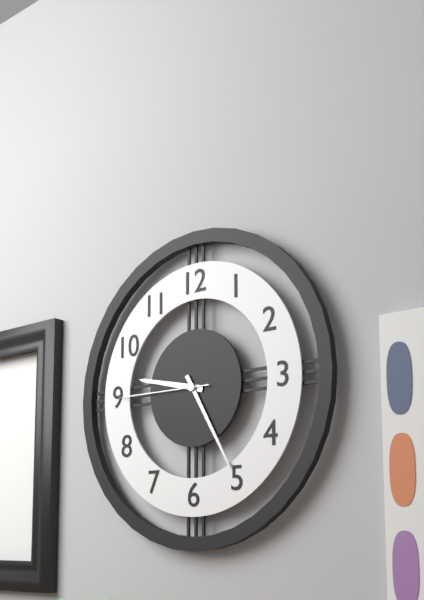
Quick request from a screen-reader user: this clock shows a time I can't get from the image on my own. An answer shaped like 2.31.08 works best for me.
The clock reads 9.25.45
